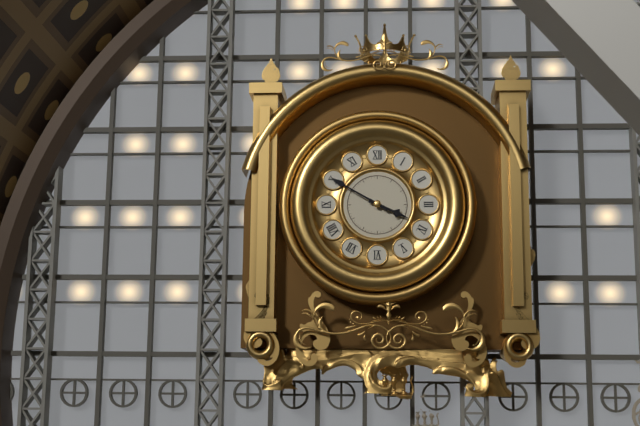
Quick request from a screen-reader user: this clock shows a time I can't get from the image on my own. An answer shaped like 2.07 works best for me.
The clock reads 3.50
